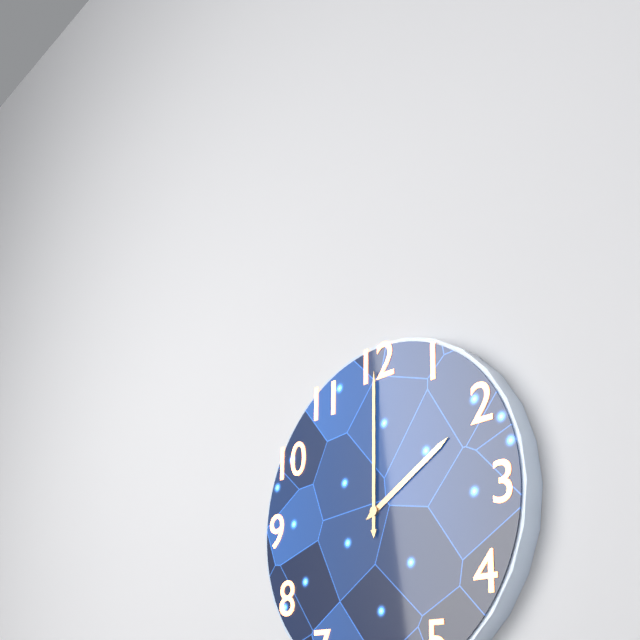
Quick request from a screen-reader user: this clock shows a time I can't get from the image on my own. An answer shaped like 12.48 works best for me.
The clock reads 2.00
